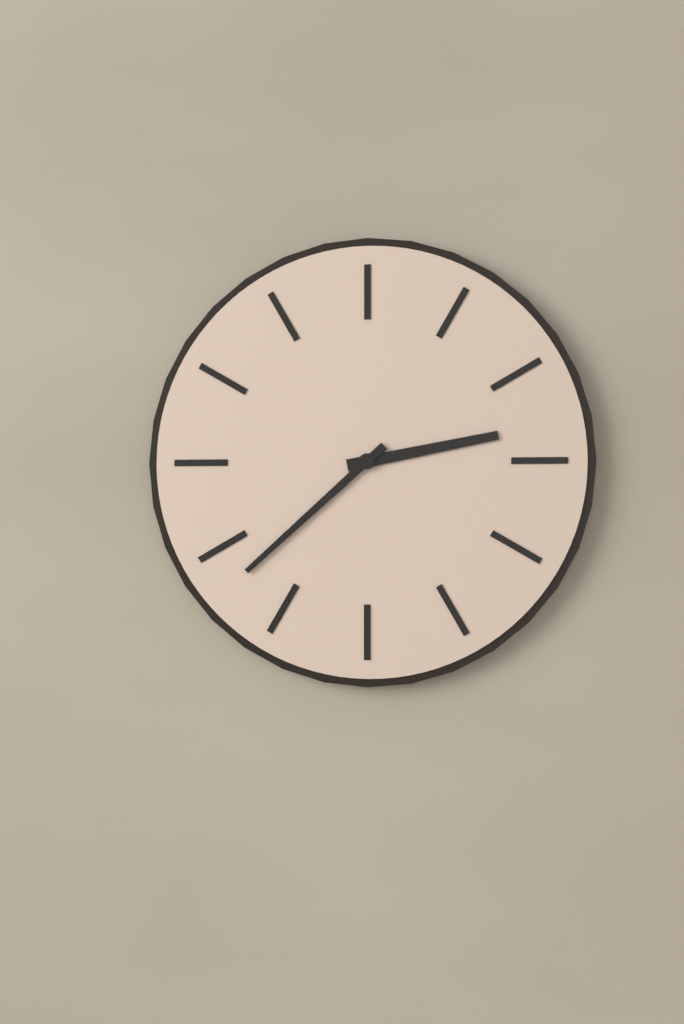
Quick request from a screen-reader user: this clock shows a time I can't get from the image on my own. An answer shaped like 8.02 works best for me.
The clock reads 2.38
